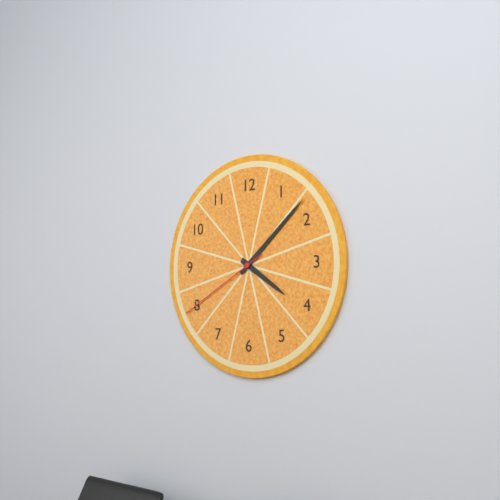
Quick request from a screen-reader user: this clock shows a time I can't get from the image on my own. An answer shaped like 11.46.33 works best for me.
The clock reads 4.08.40
